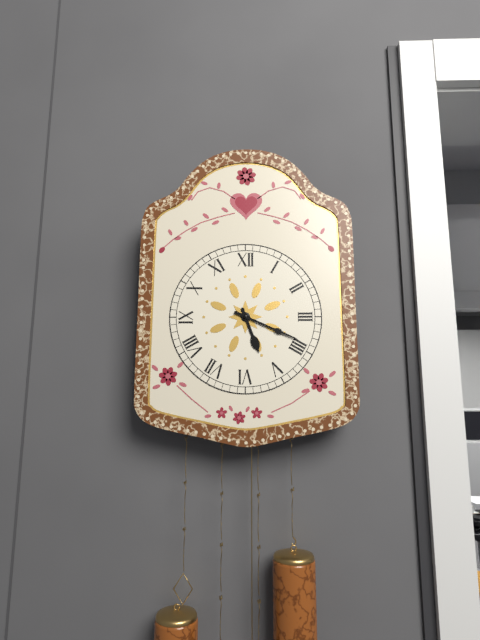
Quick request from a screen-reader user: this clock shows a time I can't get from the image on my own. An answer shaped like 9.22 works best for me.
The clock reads 5.19
